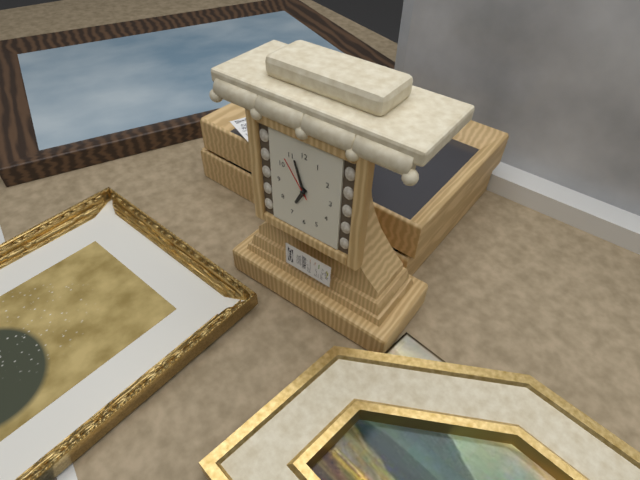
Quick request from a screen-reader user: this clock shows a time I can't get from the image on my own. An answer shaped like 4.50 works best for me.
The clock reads 6.57
